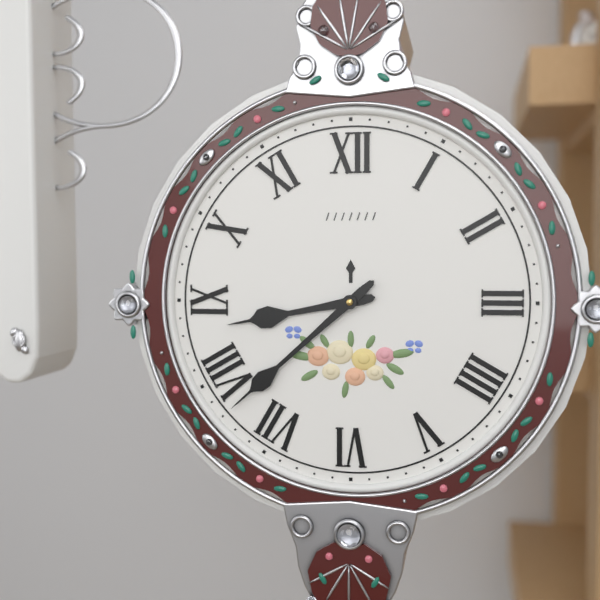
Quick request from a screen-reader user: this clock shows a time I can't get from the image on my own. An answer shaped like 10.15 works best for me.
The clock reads 8.38
